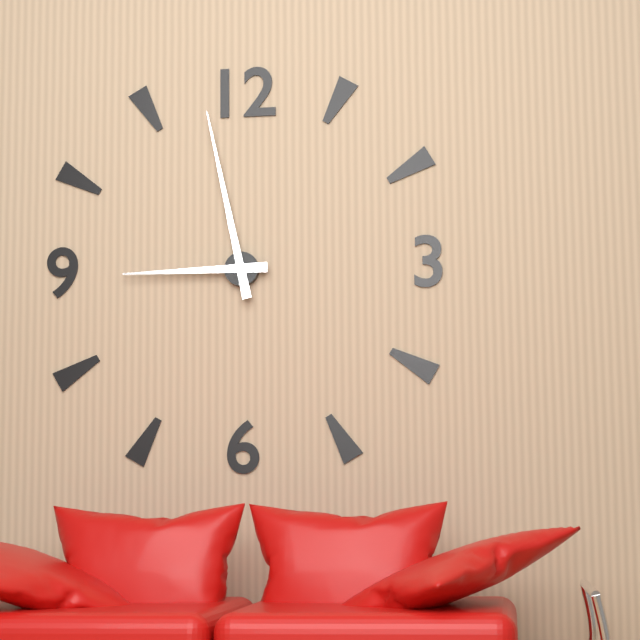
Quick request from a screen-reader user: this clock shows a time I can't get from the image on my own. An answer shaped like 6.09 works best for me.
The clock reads 8.58
